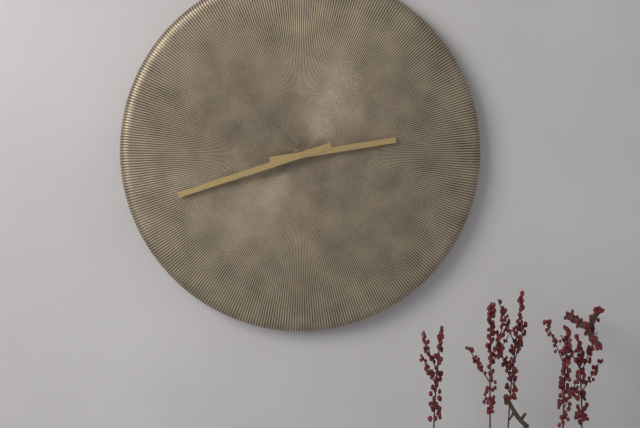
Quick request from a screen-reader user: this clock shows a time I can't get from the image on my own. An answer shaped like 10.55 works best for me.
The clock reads 2.42
